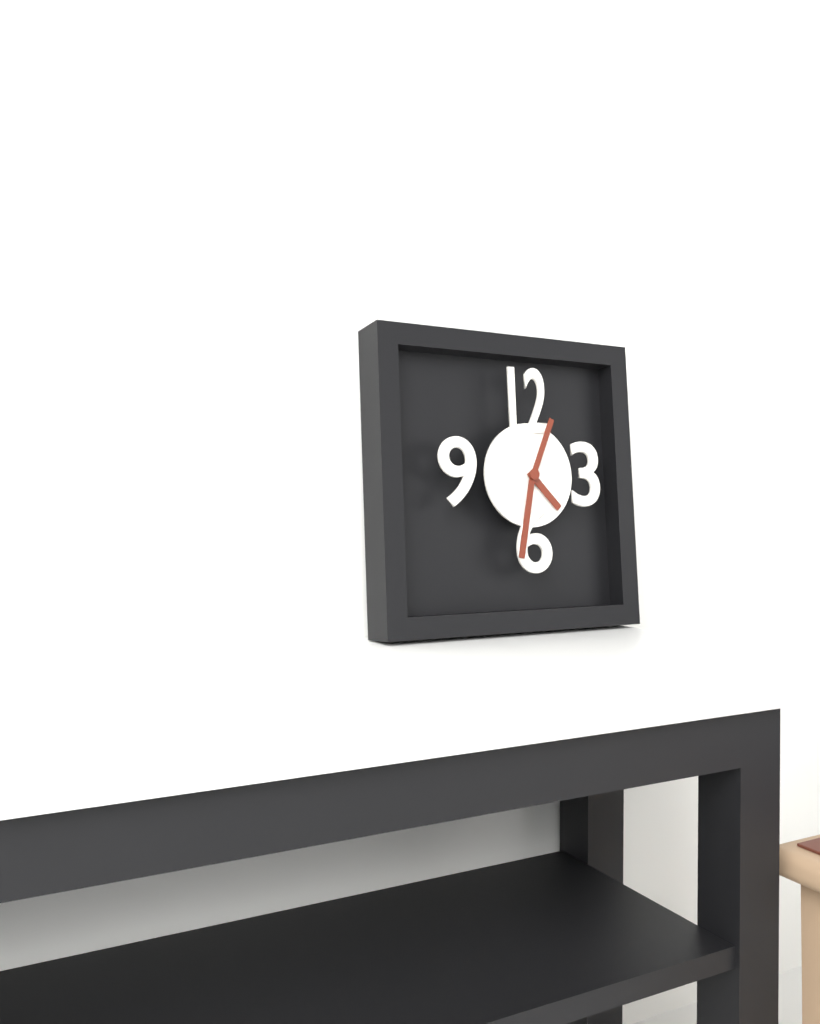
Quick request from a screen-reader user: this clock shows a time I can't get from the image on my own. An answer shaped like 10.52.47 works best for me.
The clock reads 4.32.04
